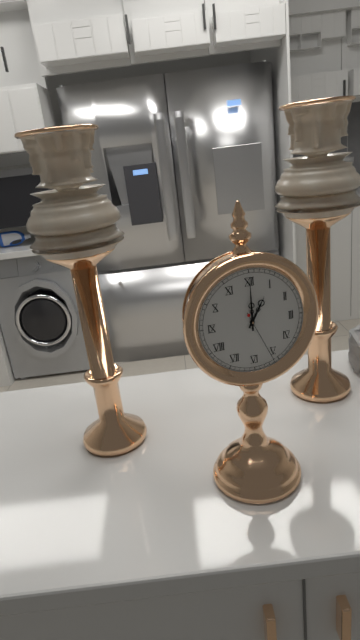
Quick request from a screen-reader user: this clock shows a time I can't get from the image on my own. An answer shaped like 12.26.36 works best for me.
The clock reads 1.00.26
